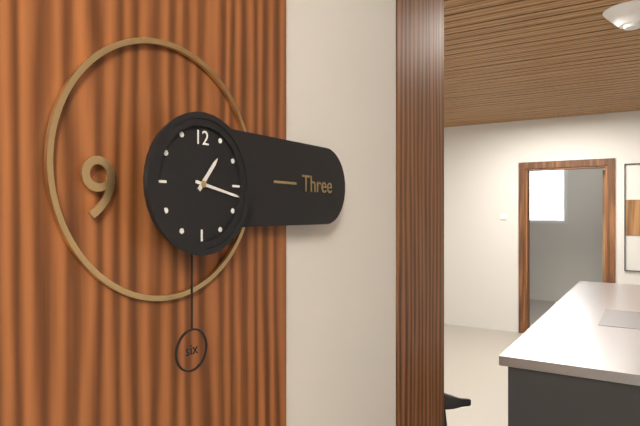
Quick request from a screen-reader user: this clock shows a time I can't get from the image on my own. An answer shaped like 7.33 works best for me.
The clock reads 1.17
